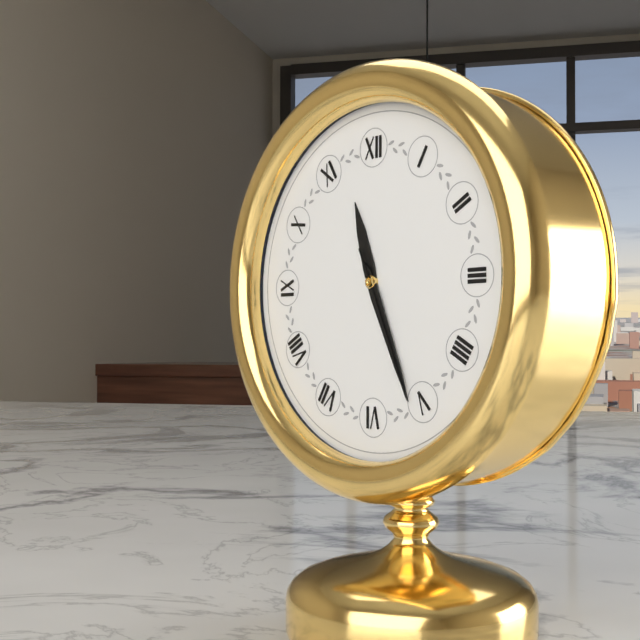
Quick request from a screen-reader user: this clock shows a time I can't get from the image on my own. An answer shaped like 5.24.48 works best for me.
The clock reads 11.26.26
